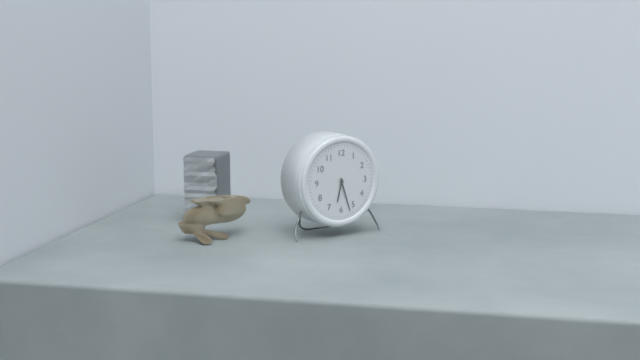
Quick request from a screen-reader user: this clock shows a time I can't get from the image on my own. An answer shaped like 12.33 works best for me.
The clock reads 6.27
